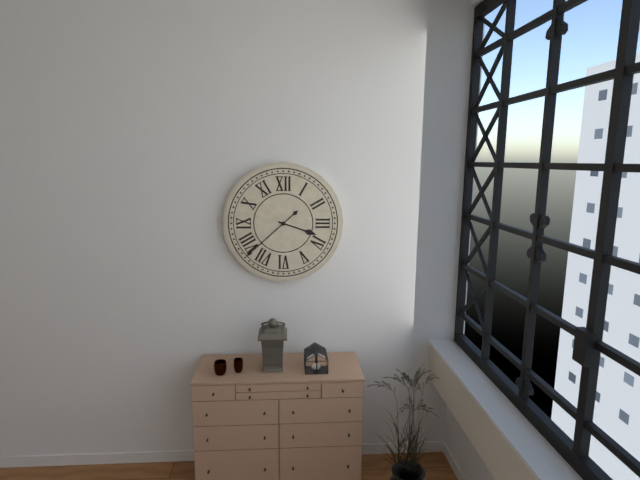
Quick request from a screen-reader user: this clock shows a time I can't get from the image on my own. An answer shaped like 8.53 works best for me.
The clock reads 3.38
